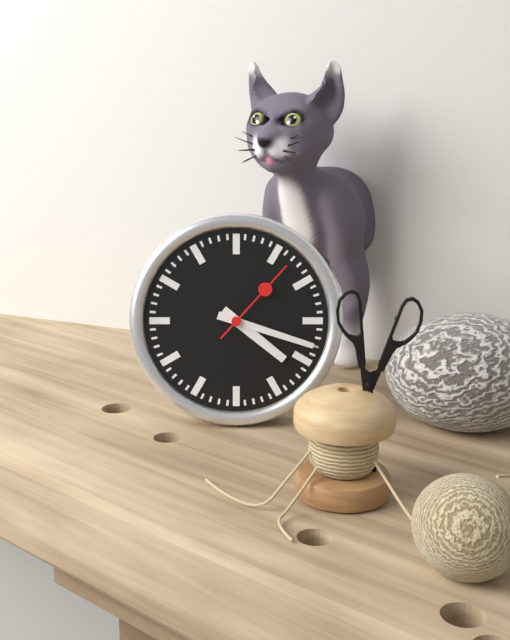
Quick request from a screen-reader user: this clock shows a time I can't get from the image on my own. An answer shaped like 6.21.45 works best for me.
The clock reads 4.18.07
